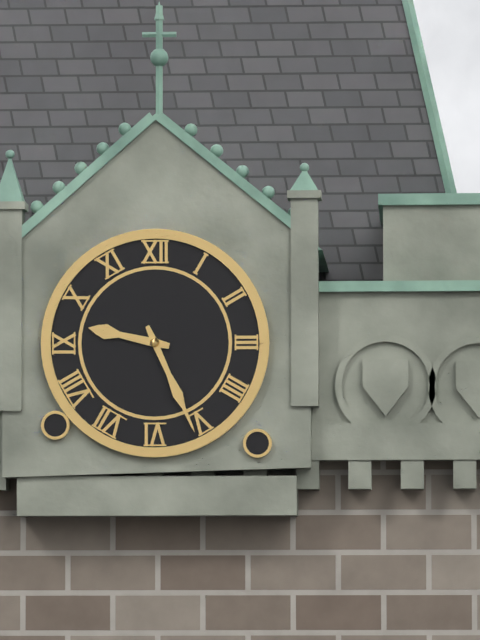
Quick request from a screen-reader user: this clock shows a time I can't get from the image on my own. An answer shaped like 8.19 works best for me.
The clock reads 9.26
